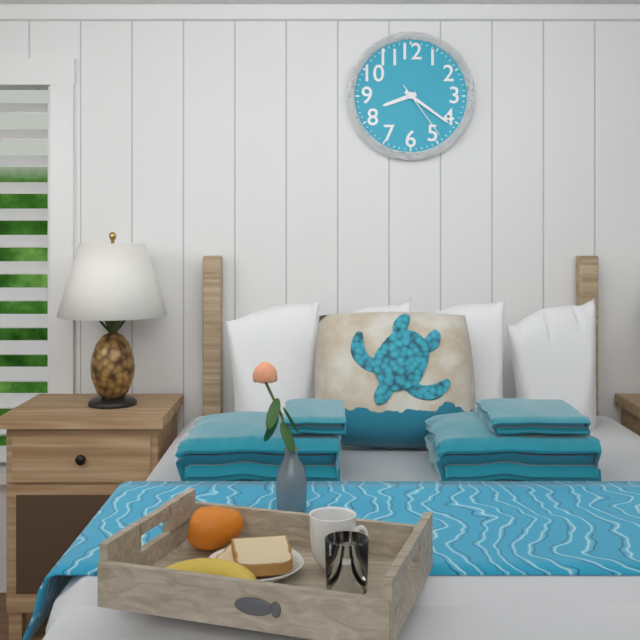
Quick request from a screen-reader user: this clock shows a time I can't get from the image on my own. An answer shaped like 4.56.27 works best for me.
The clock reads 8.21.24
